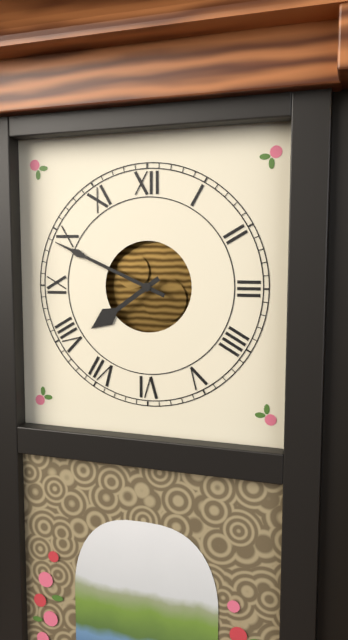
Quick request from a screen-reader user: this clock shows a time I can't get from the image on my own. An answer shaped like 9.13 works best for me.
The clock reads 7.49
